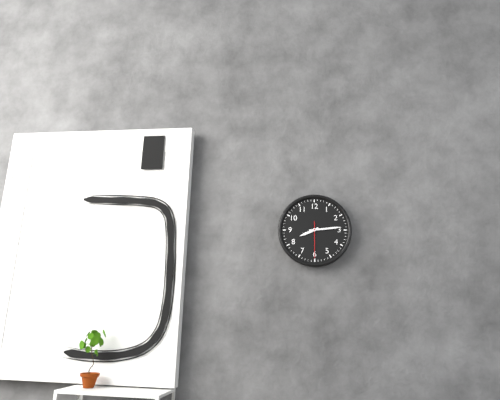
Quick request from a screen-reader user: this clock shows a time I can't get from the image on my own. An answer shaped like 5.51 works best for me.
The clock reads 8.14
